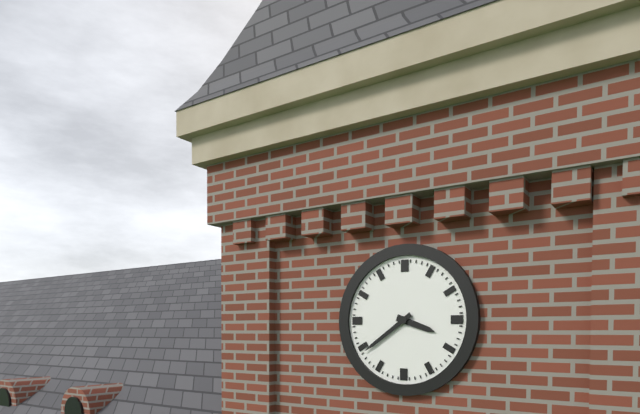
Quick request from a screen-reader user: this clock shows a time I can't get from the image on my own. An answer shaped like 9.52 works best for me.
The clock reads 3.39
